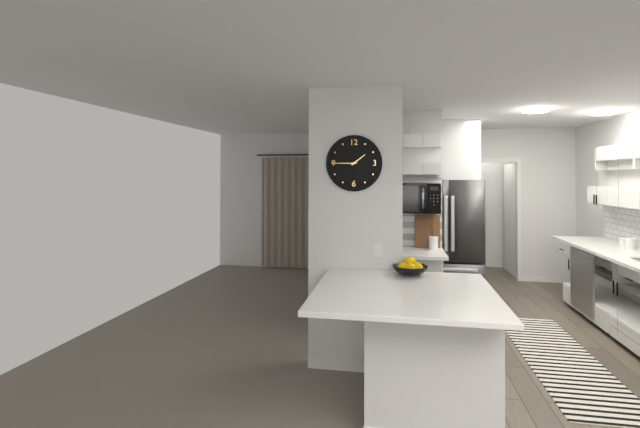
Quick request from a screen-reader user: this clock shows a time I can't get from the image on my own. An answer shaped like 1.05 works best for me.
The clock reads 1.45
